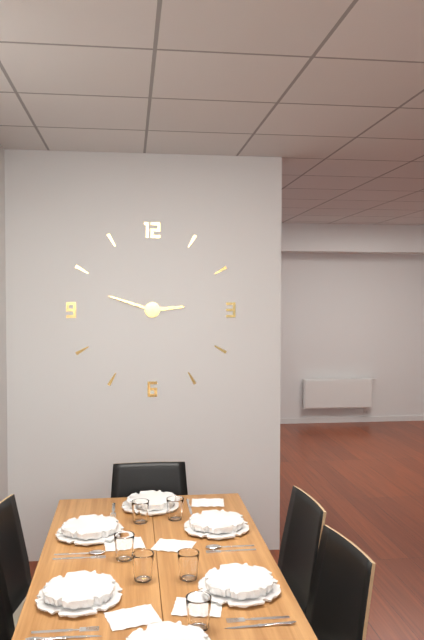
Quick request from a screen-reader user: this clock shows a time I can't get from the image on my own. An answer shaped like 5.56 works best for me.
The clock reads 2.48
